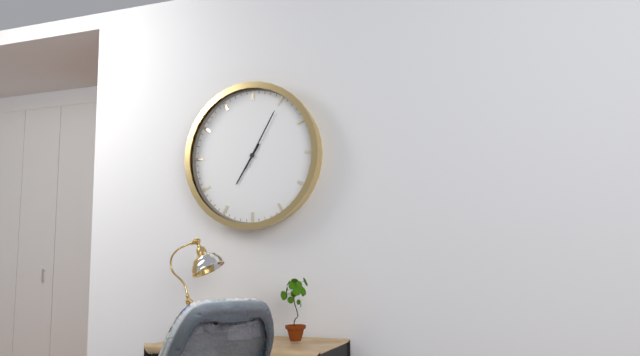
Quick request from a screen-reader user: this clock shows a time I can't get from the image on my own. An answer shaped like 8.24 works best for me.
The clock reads 7.05
